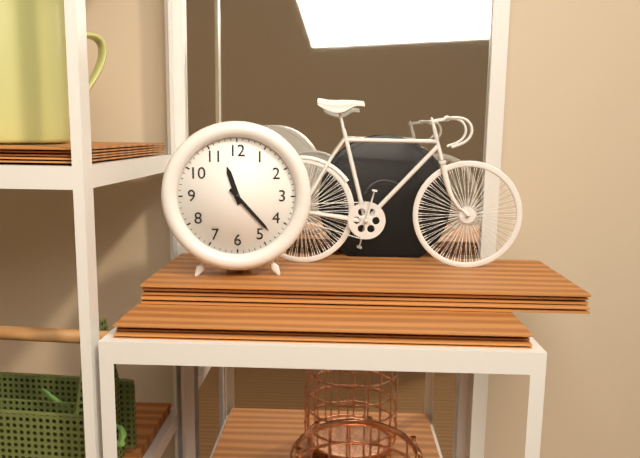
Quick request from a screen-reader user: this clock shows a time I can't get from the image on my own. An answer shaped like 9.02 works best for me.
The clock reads 11.23
